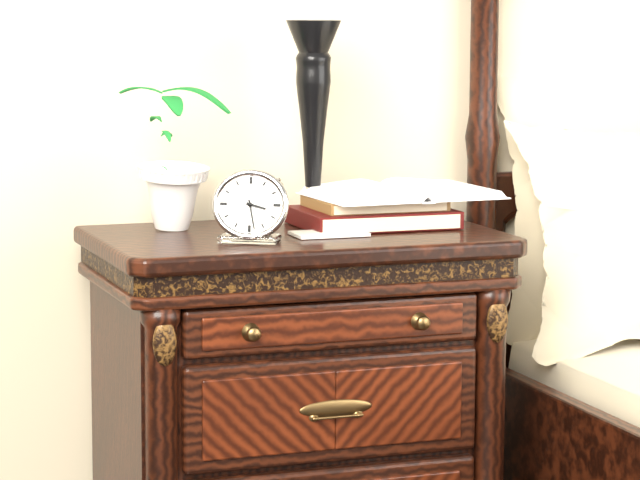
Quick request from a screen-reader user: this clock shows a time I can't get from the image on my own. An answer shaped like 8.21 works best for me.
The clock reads 3.28
